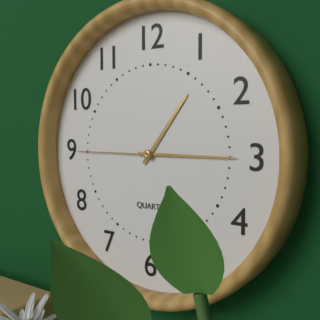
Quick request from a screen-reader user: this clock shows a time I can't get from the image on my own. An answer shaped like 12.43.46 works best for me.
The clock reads 1.15.45
